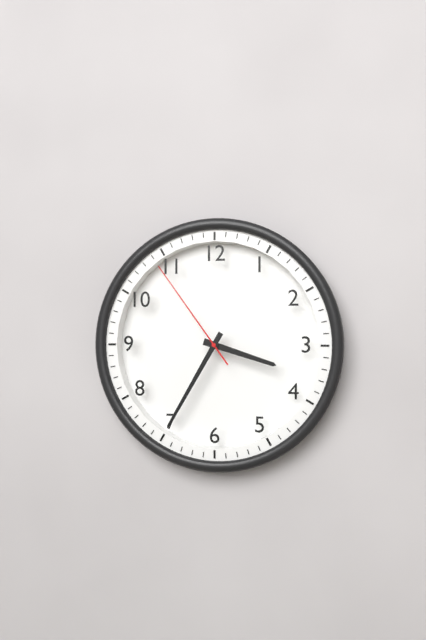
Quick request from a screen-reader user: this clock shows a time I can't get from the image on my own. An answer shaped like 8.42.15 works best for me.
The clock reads 3.35.54
